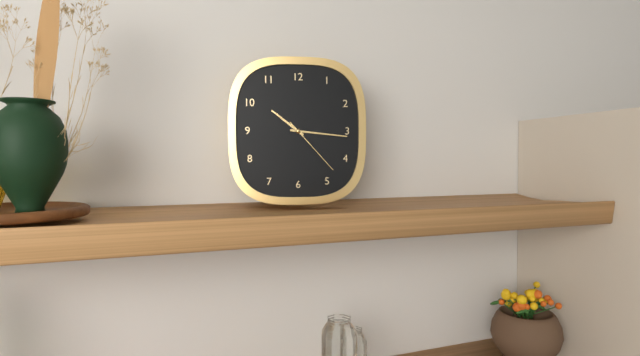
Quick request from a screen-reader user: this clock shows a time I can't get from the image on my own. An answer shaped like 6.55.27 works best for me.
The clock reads 10.16.23
